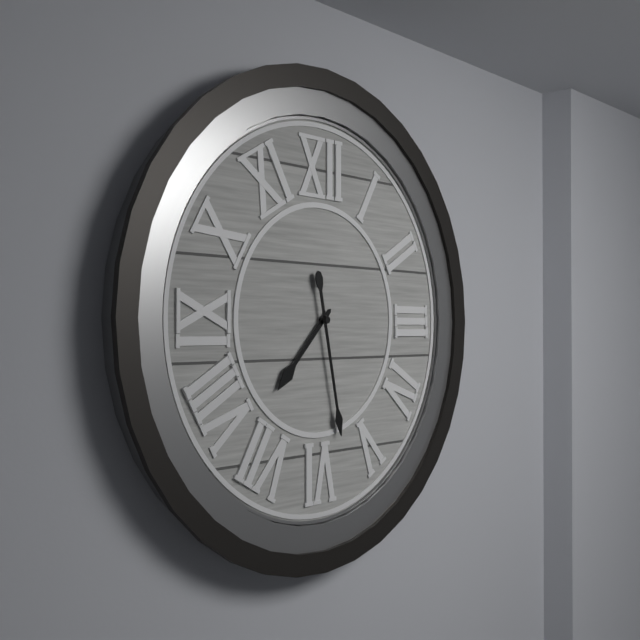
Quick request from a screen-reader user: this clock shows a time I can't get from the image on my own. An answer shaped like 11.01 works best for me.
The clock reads 7.28
